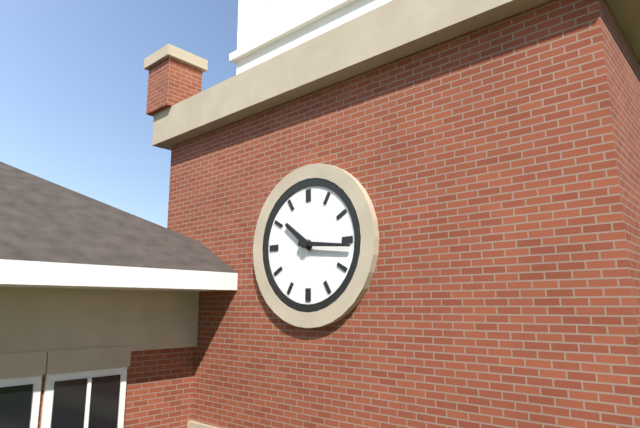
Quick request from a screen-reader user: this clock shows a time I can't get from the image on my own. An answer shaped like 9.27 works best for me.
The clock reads 10.16
